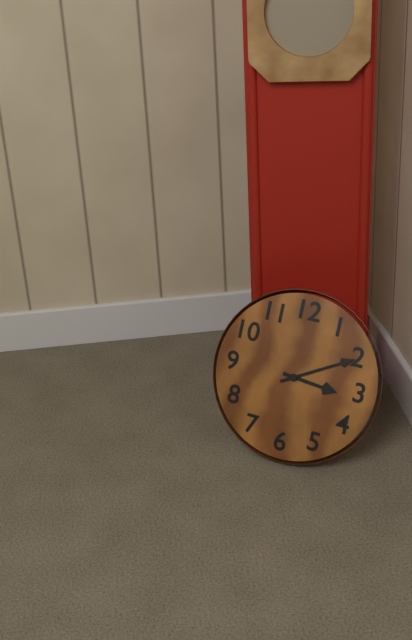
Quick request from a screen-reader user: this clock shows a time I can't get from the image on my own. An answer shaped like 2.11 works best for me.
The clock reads 3.10
